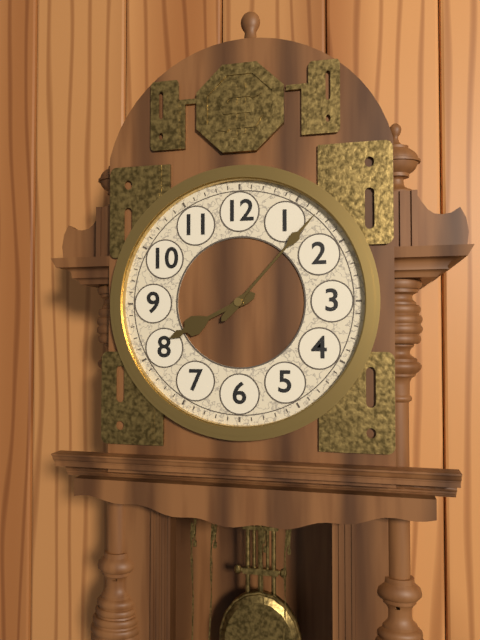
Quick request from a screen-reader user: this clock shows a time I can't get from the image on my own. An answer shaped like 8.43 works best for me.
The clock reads 8.07
